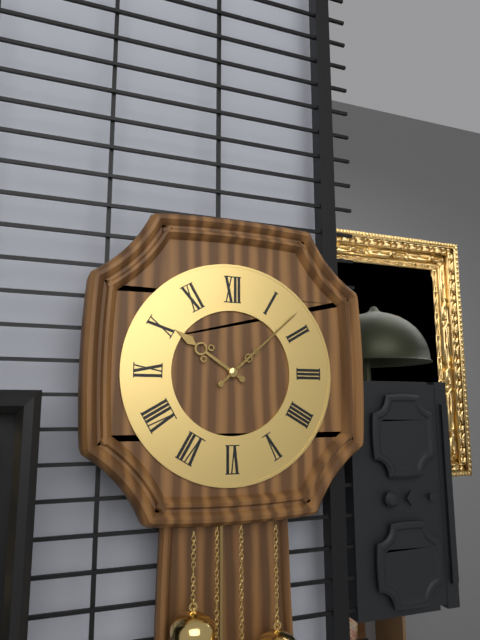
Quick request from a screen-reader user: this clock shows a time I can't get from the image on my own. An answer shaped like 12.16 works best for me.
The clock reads 10.08
